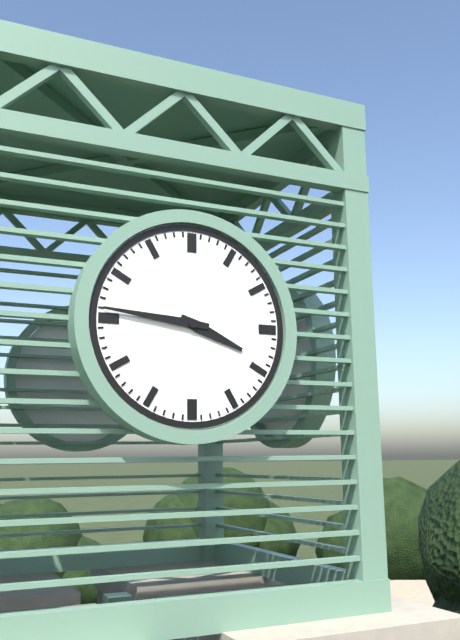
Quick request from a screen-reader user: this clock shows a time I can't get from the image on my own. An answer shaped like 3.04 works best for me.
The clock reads 3.46
